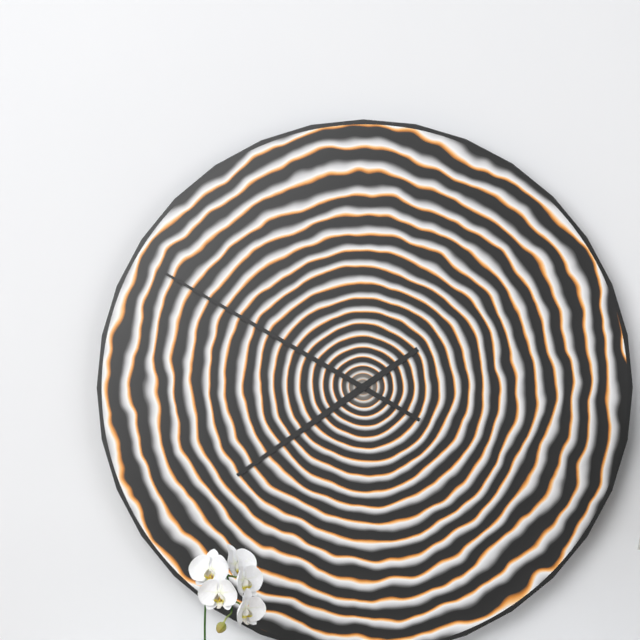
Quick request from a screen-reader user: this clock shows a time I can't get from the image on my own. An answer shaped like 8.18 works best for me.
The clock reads 7.50
